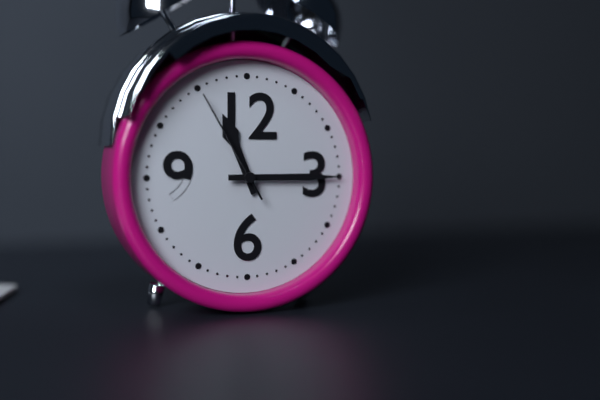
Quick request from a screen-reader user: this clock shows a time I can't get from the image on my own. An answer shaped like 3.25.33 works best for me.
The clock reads 11.15.55
